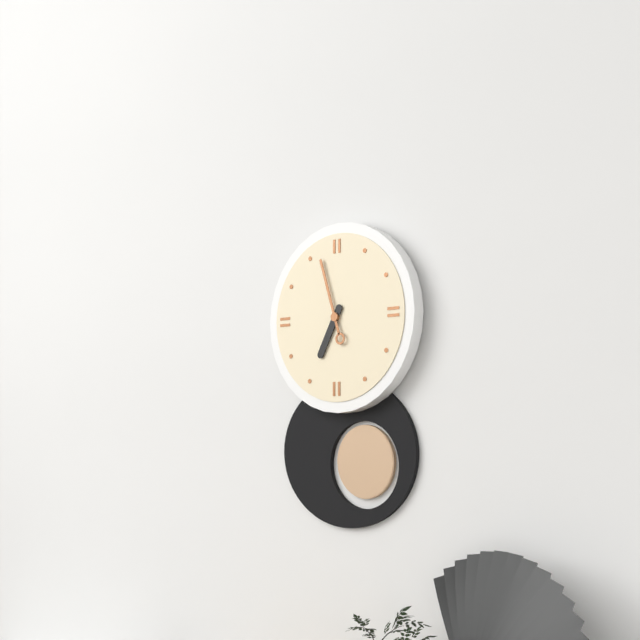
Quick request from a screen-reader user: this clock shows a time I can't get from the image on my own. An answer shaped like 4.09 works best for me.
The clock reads 6.57
